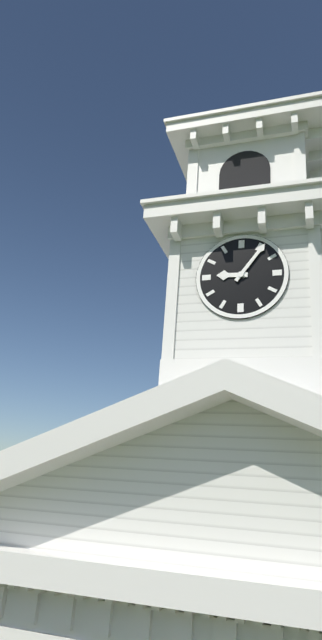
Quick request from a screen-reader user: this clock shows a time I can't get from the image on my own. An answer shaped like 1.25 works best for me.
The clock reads 9.06
